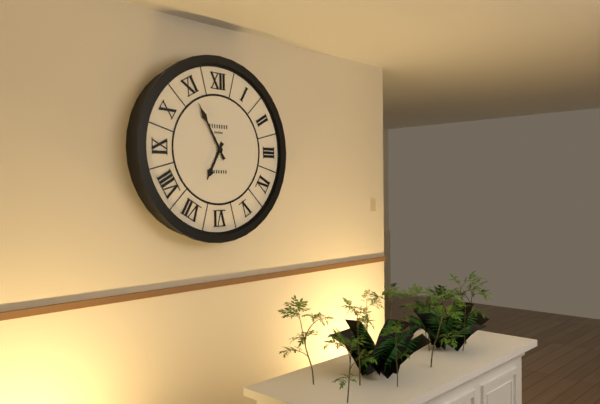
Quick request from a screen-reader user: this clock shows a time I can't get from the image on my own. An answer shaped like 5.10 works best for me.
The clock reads 6.55
